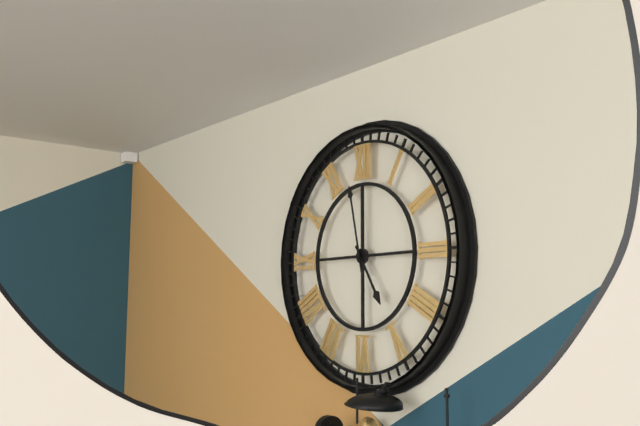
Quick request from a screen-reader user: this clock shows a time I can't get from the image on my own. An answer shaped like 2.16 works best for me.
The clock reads 4.58
